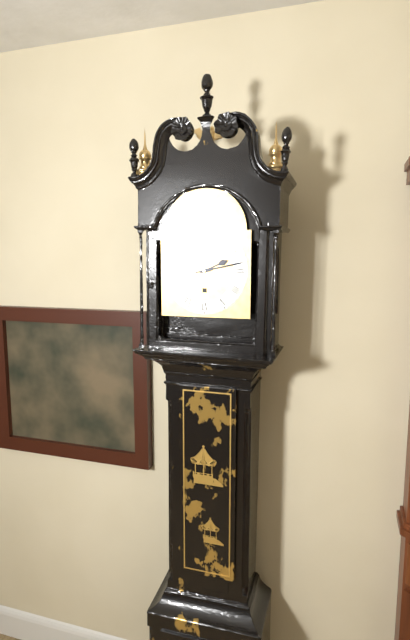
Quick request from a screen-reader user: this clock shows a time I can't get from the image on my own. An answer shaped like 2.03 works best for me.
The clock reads 2.13
